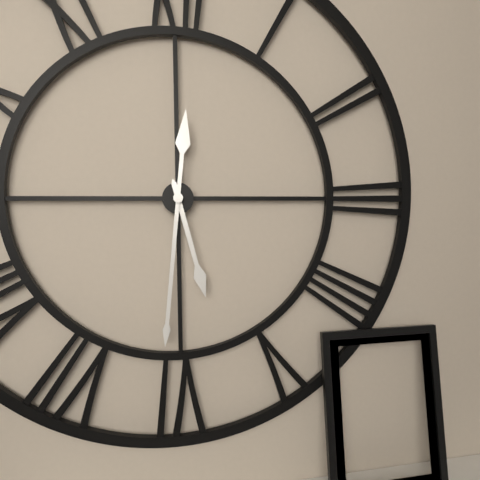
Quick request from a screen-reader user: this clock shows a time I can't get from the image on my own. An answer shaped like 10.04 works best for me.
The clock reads 5.31
